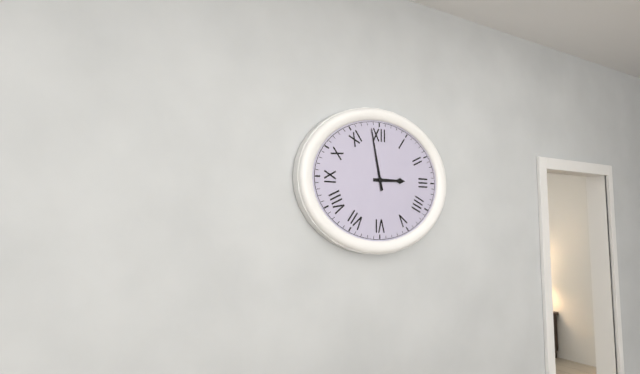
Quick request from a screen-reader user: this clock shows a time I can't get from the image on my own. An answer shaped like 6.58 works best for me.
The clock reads 2.58
